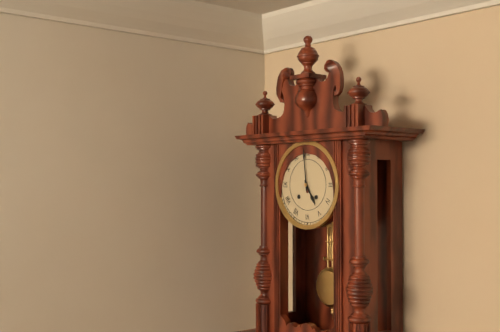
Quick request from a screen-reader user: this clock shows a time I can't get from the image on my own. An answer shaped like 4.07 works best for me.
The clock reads 4.59
